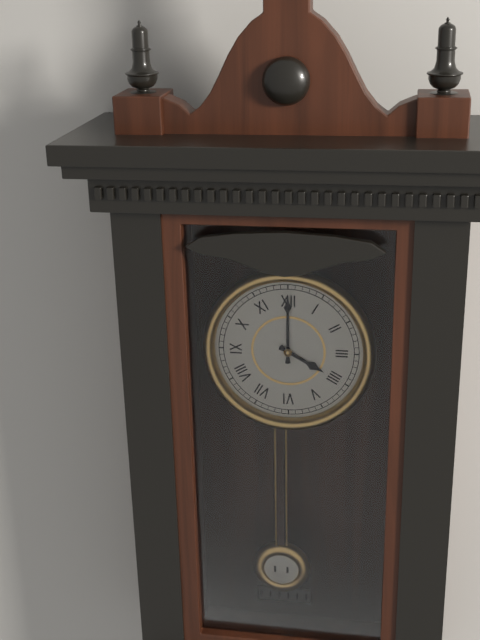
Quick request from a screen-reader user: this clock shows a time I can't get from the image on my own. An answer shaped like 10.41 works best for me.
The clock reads 4.00
